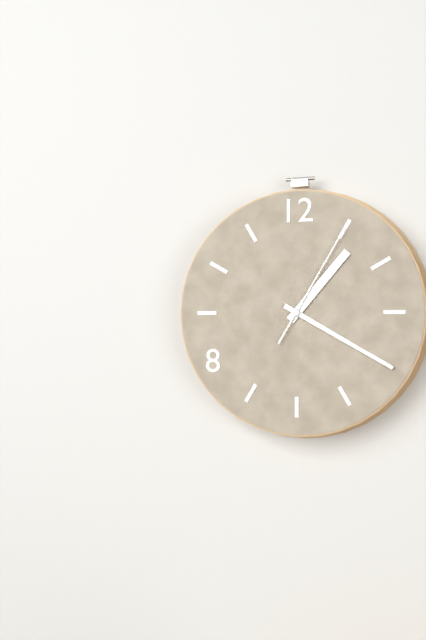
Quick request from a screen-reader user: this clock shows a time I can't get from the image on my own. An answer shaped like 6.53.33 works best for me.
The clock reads 1.20.05
